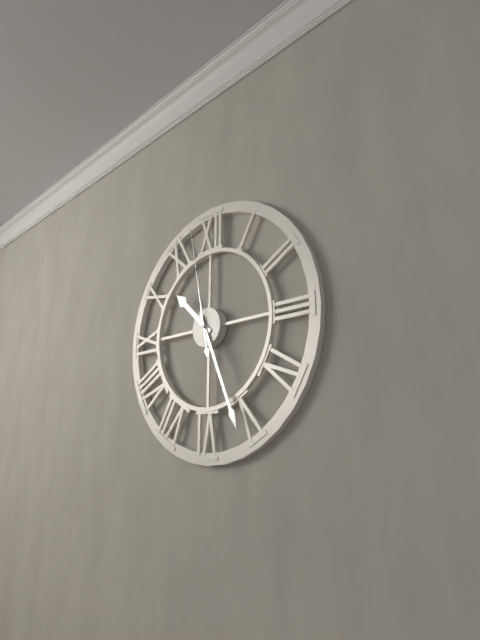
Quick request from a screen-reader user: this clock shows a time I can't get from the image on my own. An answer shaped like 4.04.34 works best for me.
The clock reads 10.26.58
